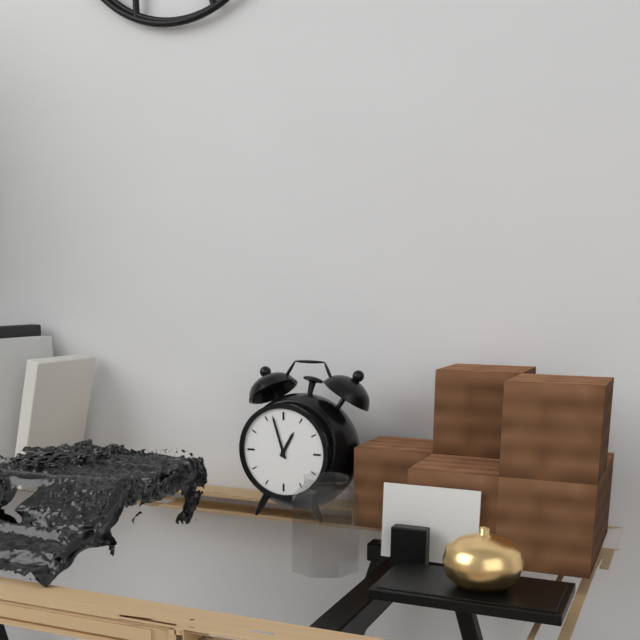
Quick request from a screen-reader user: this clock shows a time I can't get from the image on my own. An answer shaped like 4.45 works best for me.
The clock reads 12.57
